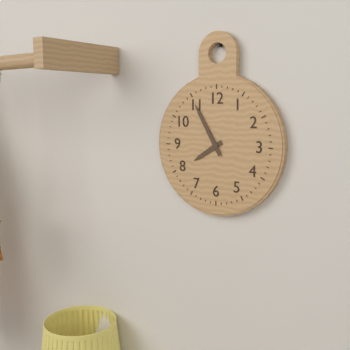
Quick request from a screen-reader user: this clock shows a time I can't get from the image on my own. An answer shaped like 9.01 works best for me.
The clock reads 7.55
